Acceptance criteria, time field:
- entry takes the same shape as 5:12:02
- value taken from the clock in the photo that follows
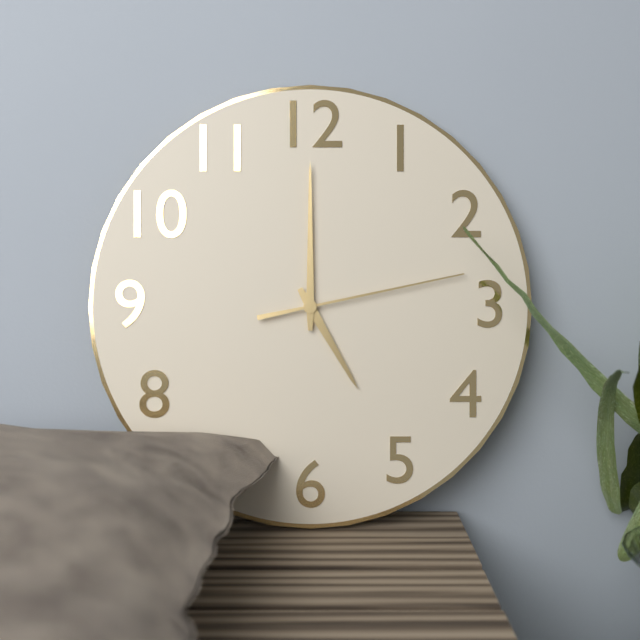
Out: 5:00:13
